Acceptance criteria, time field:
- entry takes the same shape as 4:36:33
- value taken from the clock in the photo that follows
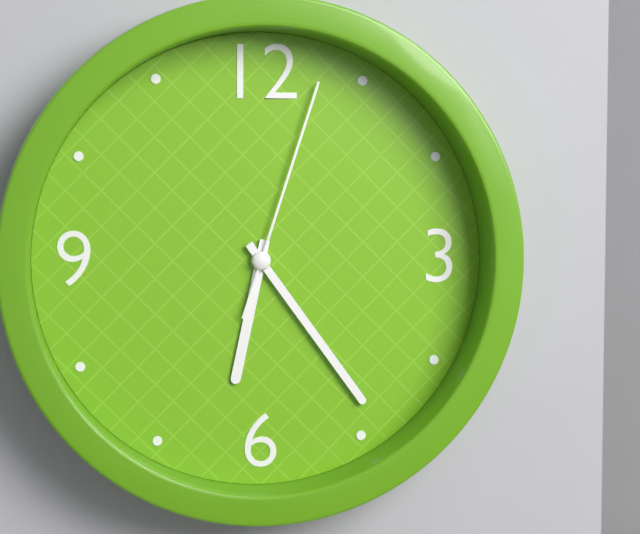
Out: 6:24:03
